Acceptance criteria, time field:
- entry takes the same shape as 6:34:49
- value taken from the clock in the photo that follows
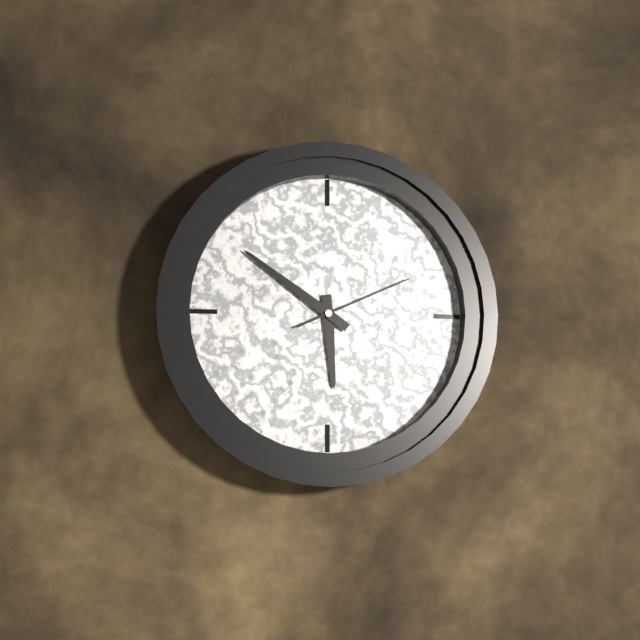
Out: 5:51:11
